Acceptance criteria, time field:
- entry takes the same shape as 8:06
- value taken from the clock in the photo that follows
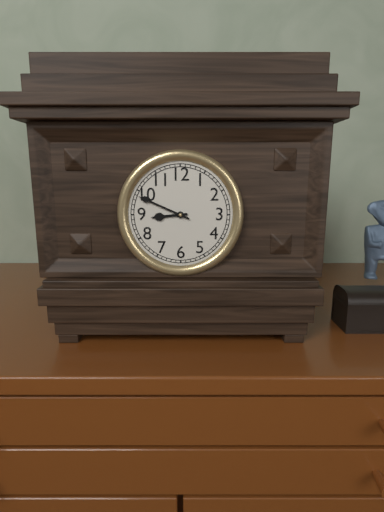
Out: 8:49
